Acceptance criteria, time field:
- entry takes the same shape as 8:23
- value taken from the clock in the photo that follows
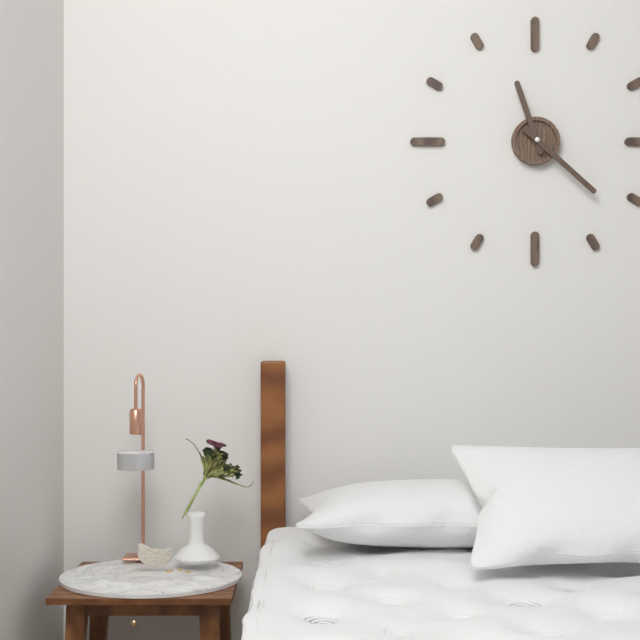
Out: 11:22
